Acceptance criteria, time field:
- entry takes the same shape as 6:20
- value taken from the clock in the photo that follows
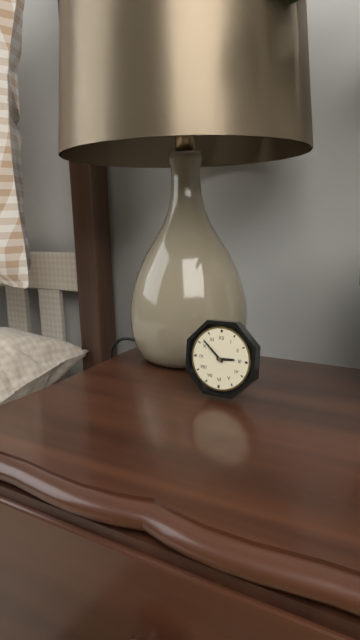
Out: 2:52
